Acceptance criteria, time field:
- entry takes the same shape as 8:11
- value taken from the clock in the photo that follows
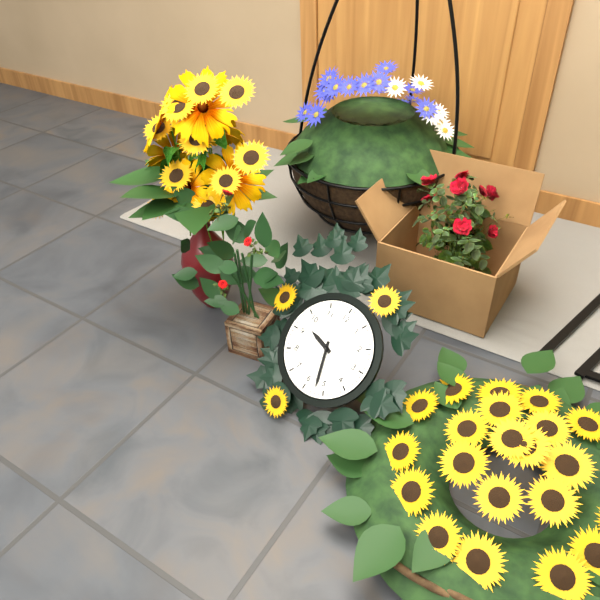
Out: 9:27
